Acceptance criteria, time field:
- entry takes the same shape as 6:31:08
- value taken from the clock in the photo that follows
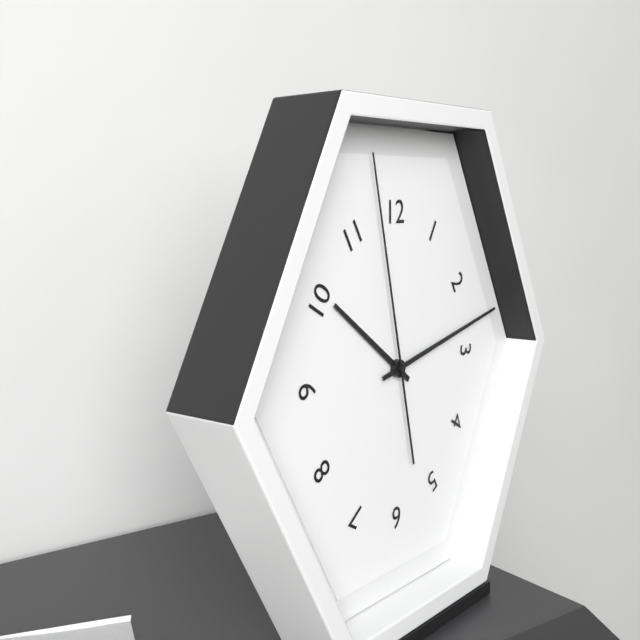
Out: 10:13:58
